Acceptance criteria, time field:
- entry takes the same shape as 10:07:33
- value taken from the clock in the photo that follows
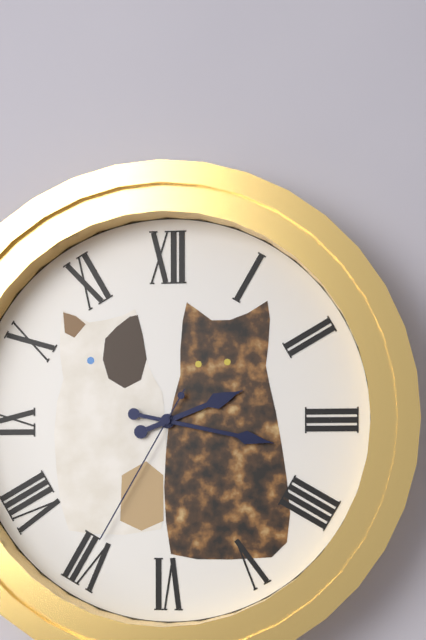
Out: 2:17:35
